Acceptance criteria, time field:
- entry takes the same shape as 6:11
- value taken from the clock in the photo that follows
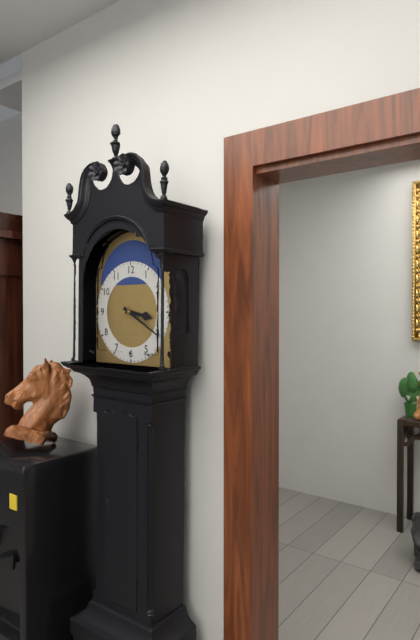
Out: 3:20
